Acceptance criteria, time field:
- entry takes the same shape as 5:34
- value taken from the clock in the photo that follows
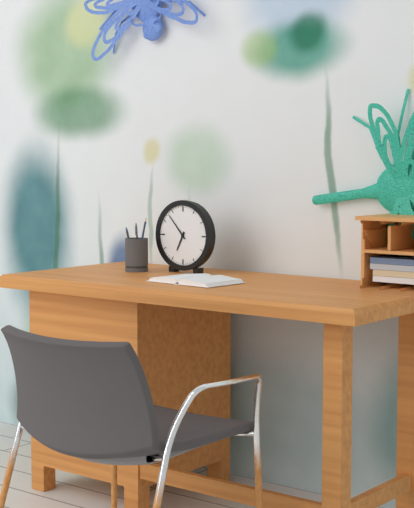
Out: 6:53
